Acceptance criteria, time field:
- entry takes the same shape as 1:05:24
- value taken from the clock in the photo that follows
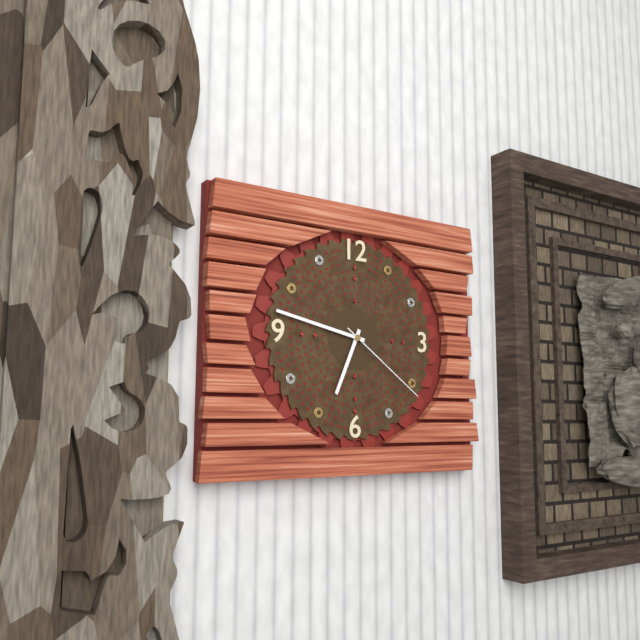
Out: 6:47:21
